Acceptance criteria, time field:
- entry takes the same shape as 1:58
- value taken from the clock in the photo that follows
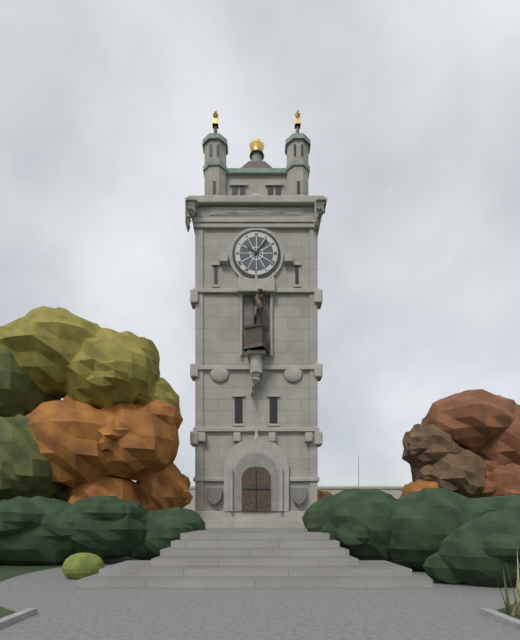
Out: 10:06
